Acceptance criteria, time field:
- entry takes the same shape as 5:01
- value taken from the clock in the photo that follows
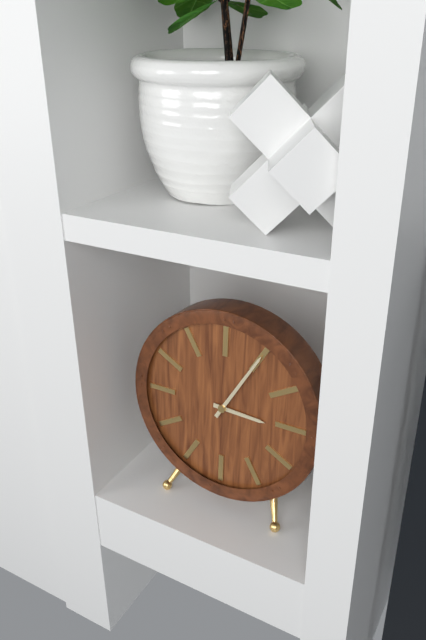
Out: 3:05
